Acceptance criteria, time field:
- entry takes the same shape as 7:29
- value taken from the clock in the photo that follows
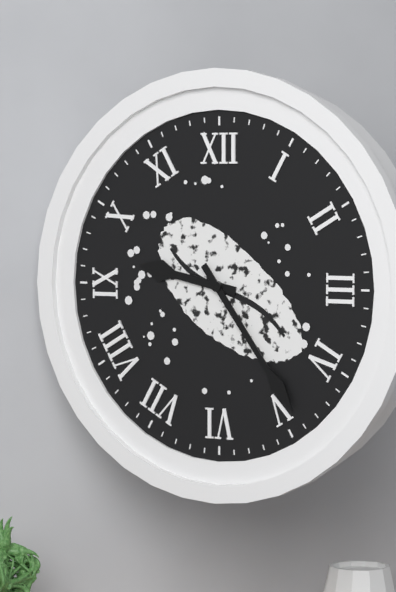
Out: 9:24
